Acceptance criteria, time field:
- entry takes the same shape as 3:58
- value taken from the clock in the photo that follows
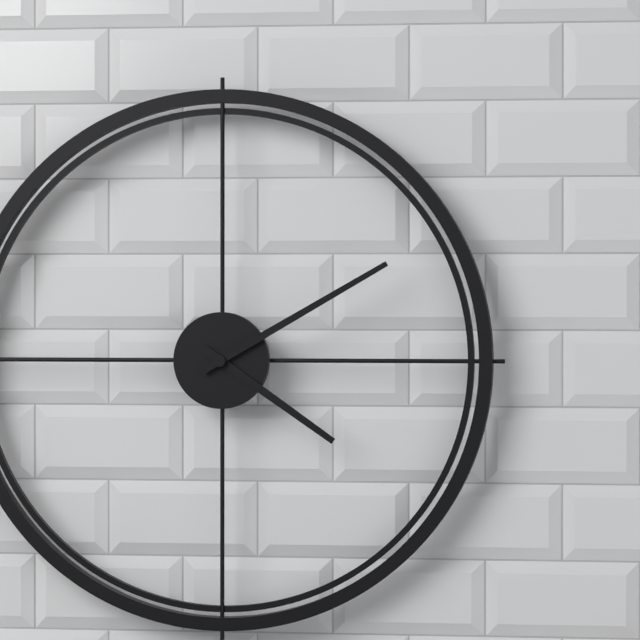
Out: 4:10
